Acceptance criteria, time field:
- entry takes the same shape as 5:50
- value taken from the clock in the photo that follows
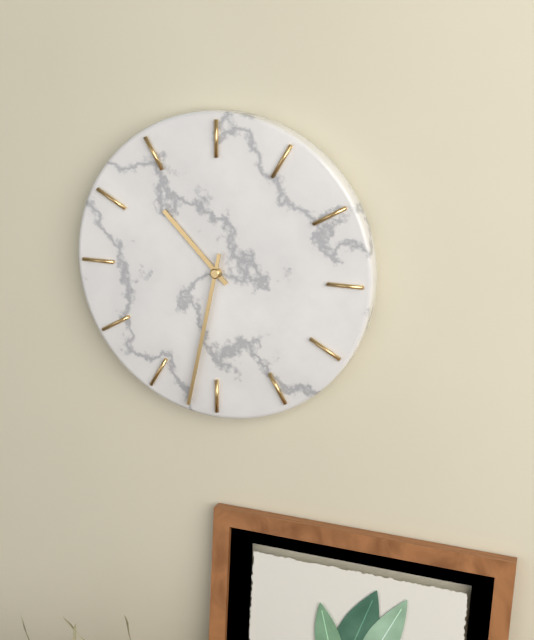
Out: 10:32
